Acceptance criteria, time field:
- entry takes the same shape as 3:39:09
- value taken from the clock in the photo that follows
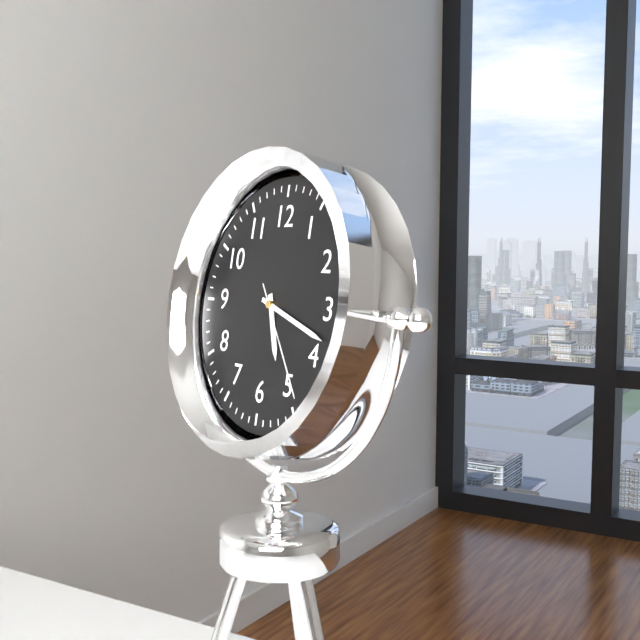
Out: 5:18:24
